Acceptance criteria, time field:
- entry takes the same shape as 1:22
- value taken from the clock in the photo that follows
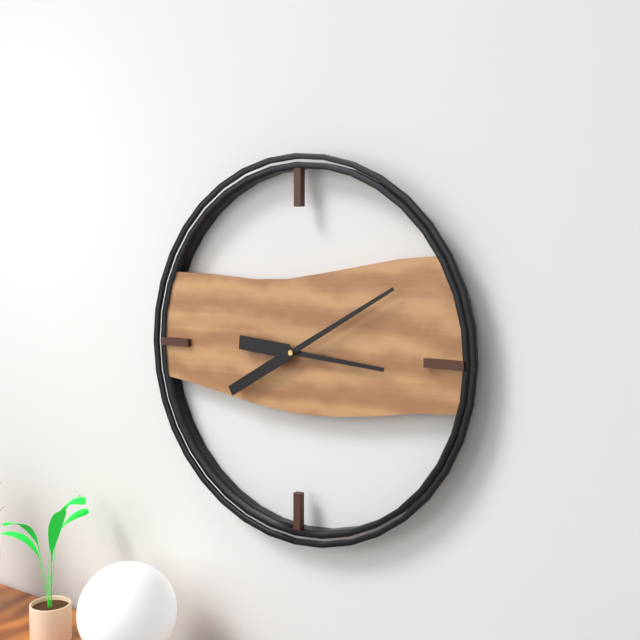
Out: 3:10
